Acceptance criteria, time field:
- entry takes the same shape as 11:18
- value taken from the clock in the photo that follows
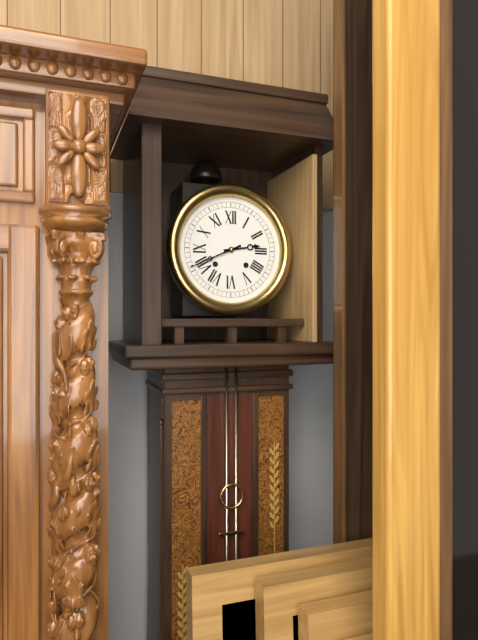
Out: 2:41
